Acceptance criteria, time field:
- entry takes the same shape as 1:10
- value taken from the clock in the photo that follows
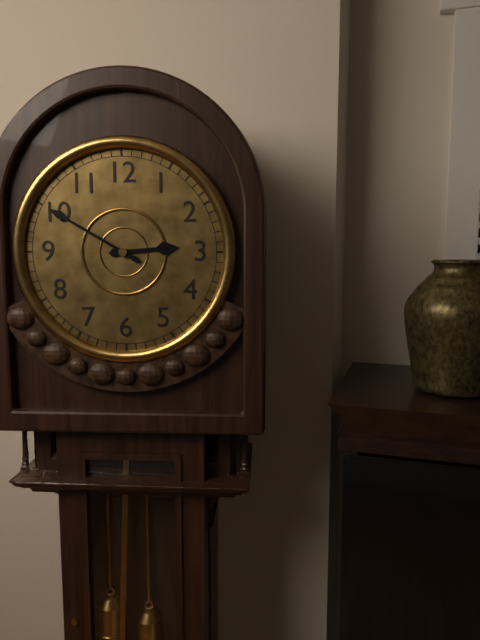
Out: 2:50
